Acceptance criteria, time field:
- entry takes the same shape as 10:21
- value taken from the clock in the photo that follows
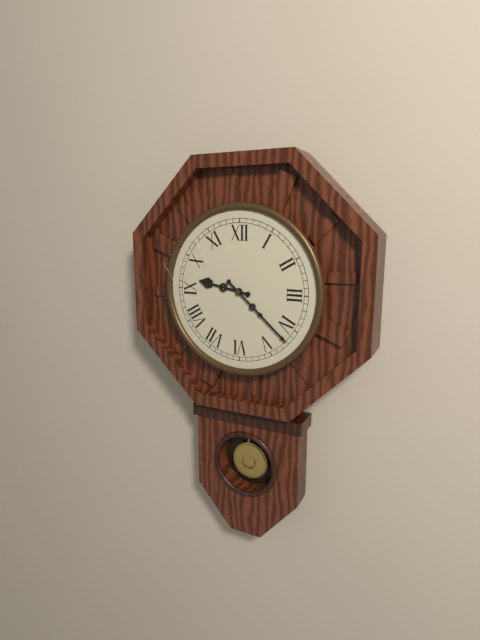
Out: 9:22
